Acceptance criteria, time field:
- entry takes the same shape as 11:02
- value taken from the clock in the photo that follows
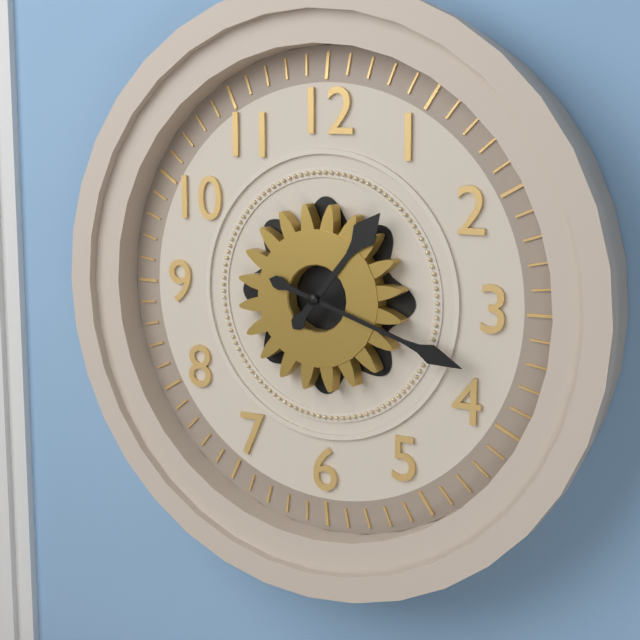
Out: 1:18
